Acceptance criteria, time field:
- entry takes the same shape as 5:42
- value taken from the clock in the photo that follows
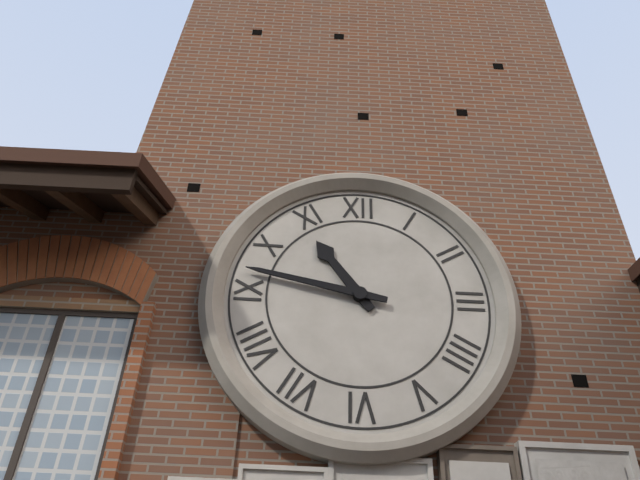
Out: 10:47
